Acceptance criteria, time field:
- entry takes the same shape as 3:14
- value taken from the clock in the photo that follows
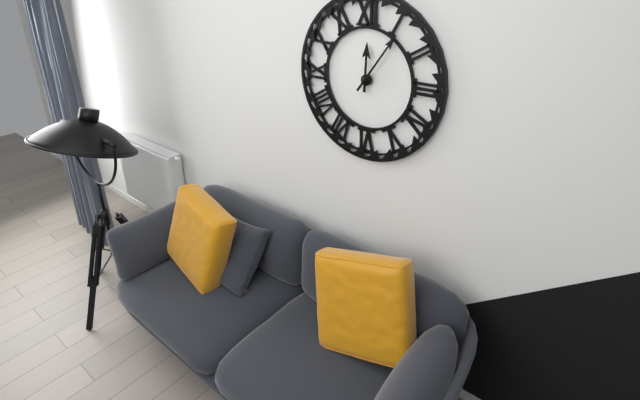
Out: 12:06
